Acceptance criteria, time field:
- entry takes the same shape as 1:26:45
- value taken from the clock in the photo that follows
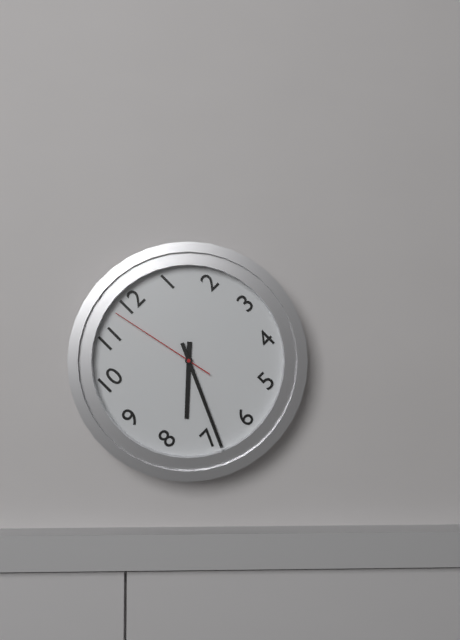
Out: 7:34:58
